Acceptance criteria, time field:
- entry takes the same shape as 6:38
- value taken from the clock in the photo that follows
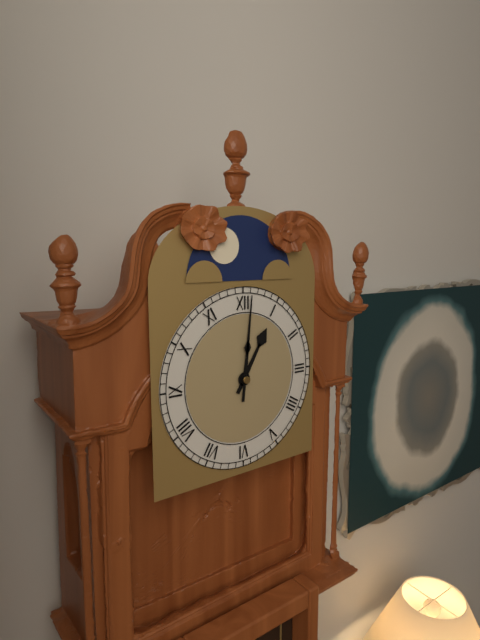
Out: 1:01
